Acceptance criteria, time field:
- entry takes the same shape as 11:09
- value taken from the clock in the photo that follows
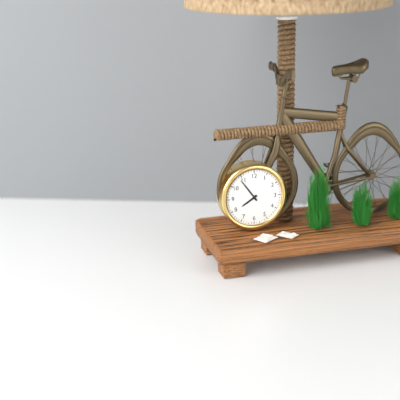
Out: 7:54
